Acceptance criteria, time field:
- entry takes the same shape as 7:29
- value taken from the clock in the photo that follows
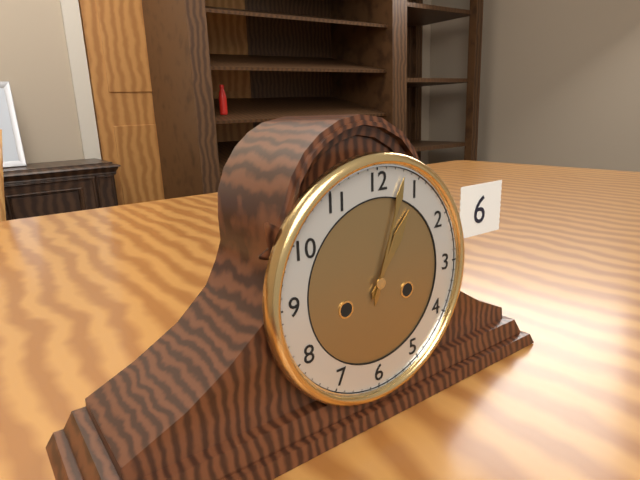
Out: 1:03
